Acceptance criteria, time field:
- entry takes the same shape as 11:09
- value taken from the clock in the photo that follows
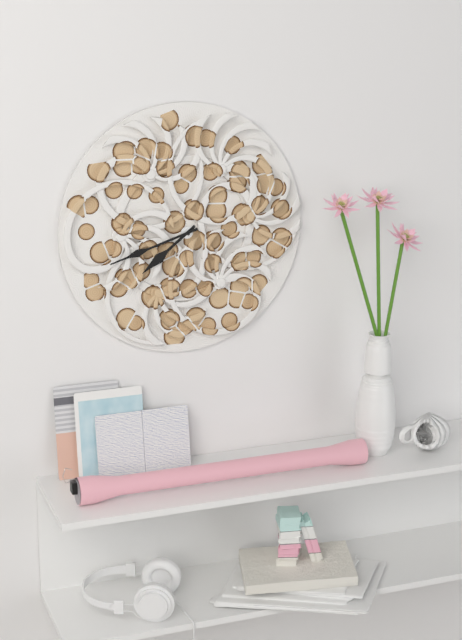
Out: 7:42
